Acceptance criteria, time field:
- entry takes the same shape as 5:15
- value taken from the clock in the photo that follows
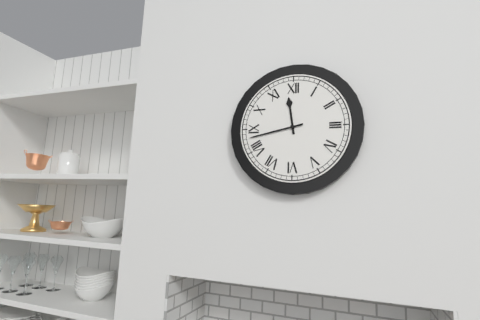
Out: 11:43
